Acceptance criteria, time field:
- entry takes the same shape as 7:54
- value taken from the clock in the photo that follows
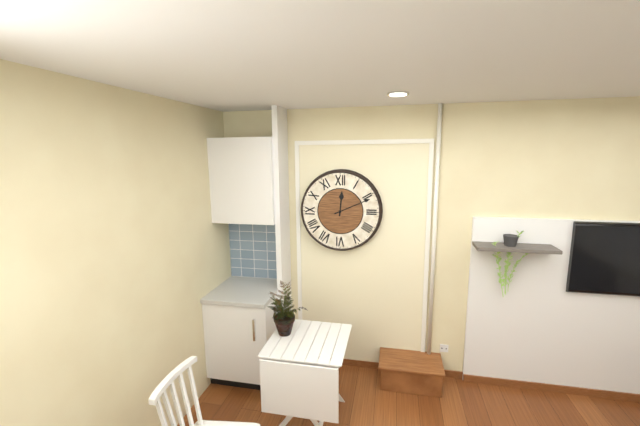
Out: 12:11
